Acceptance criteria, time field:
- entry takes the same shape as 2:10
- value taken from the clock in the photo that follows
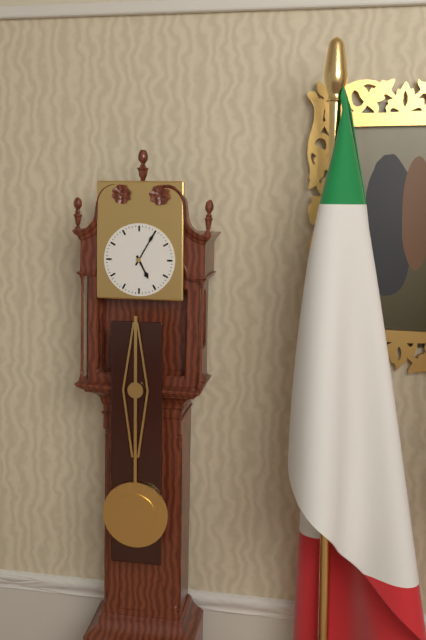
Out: 5:05
